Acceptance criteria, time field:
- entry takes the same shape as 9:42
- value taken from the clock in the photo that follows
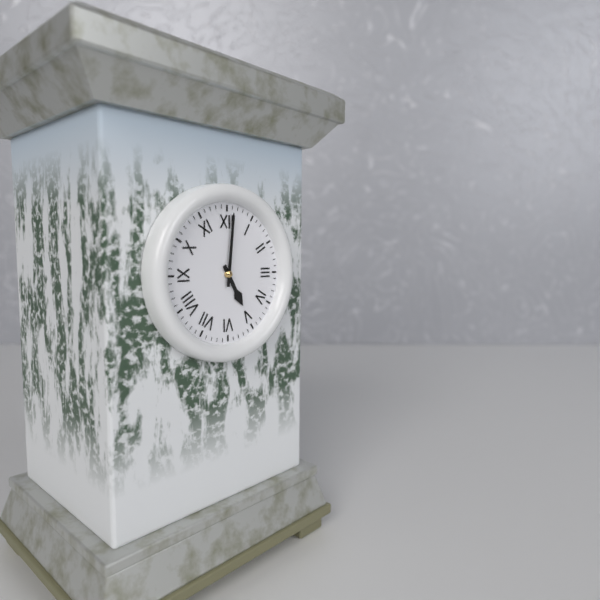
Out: 5:01
